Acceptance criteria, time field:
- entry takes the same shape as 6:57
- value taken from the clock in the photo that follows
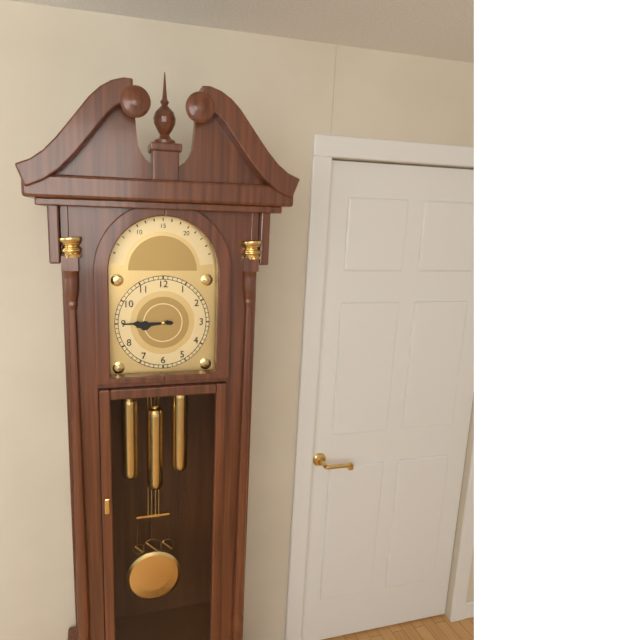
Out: 8:45
